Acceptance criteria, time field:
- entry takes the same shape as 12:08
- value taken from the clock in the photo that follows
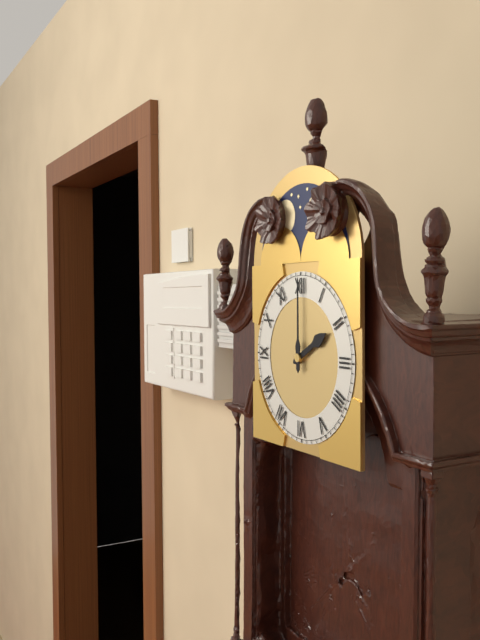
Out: 2:00
